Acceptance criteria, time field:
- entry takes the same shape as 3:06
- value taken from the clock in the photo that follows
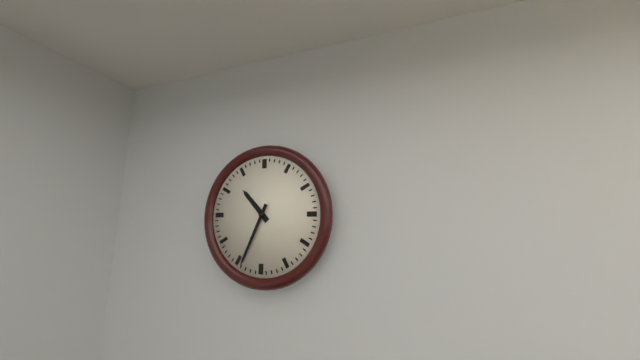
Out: 10:34
